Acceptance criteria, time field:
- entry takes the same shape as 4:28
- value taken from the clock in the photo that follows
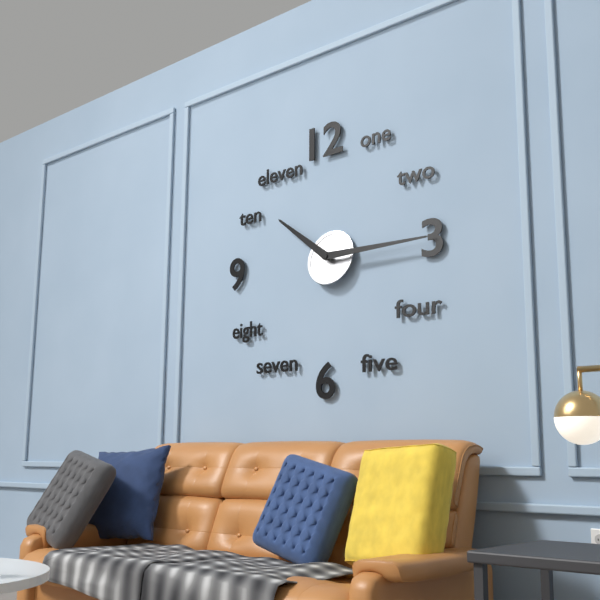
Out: 10:15
